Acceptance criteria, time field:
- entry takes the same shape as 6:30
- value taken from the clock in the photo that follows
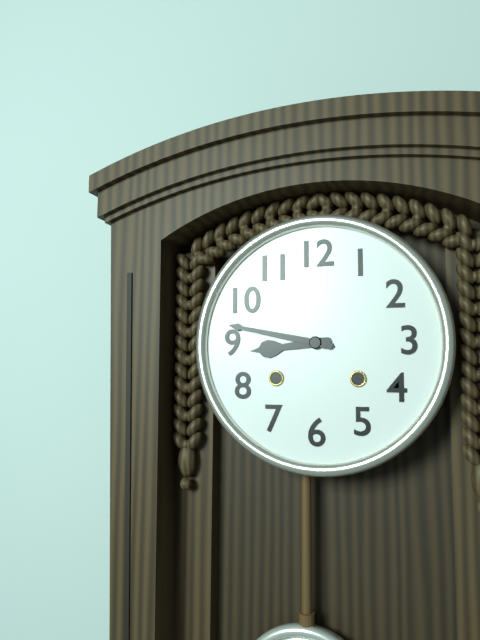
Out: 8:47
